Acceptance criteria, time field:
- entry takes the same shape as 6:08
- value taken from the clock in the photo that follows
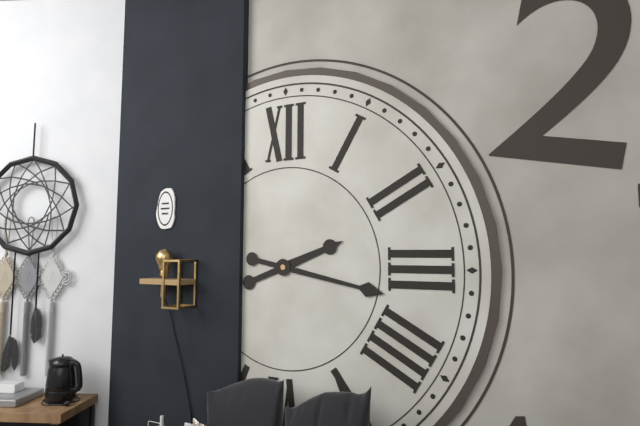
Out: 2:17
